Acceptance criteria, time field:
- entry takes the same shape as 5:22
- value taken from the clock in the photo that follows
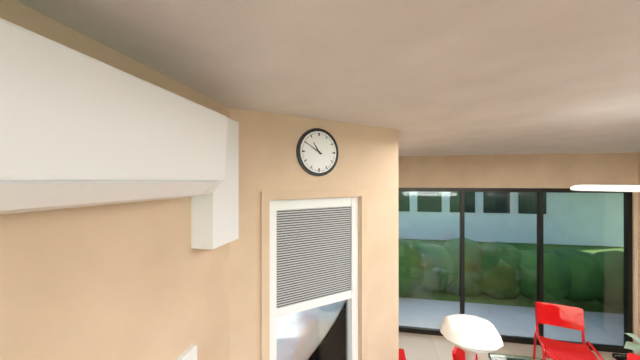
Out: 10:50
